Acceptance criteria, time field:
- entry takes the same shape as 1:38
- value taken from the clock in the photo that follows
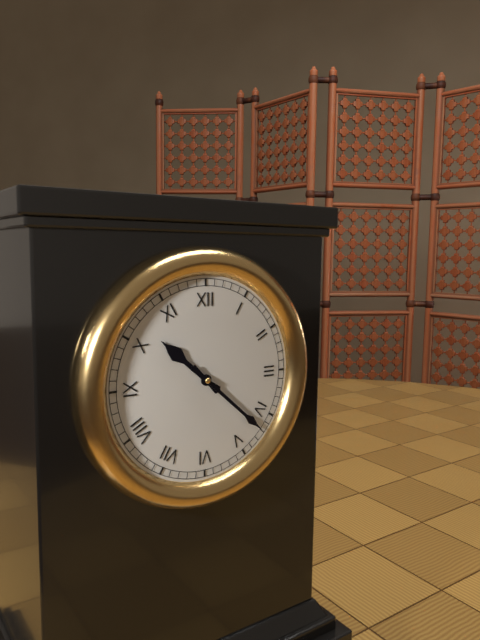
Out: 10:22
